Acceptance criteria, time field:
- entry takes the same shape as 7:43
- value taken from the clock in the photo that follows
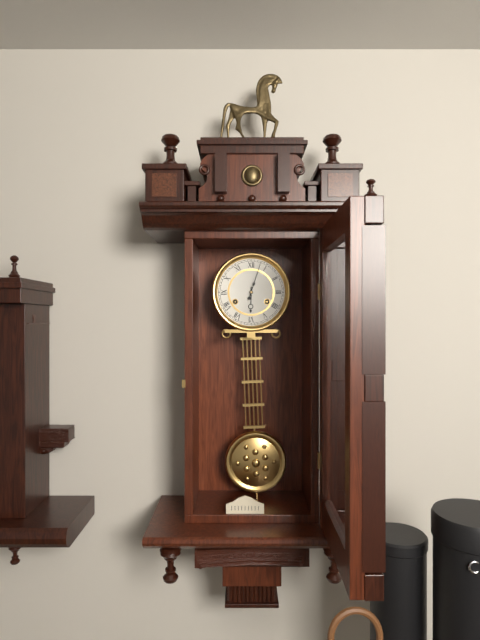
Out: 6:03
